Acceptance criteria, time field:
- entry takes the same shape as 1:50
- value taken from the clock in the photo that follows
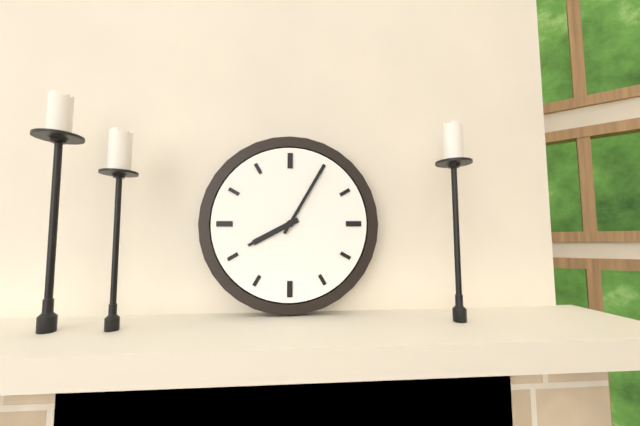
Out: 8:05
